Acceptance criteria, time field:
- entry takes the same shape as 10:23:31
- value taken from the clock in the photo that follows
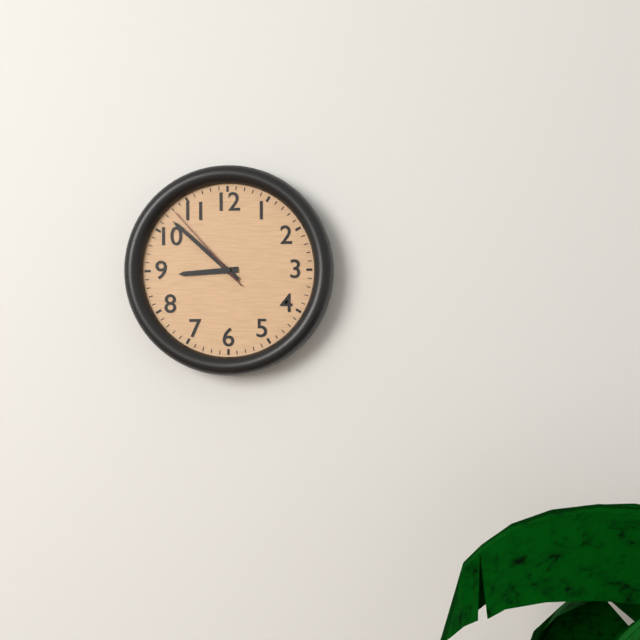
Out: 8:52:53
